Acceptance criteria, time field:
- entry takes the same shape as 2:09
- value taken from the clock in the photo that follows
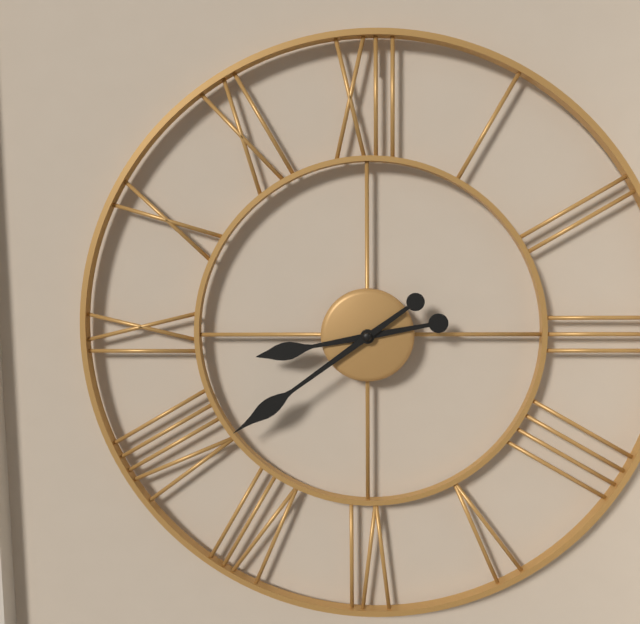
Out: 8:39
